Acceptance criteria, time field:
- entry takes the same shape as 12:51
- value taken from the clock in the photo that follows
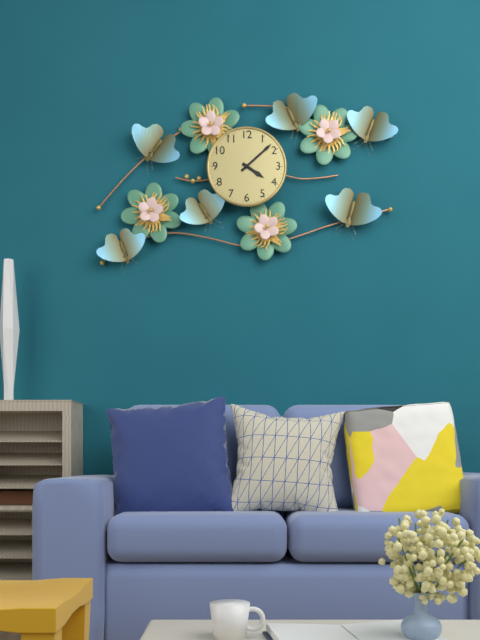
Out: 4:08
